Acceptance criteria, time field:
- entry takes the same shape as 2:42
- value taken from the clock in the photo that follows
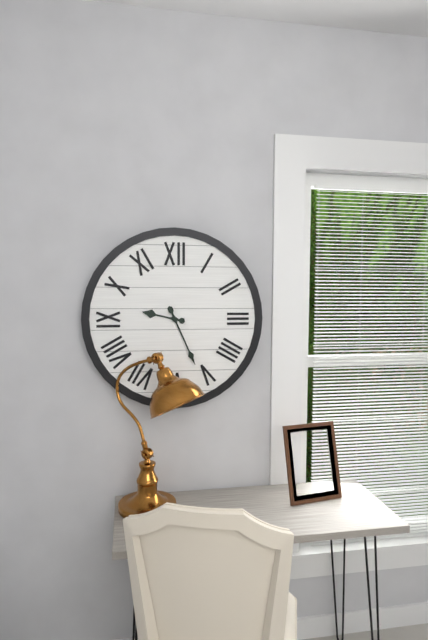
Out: 9:26
